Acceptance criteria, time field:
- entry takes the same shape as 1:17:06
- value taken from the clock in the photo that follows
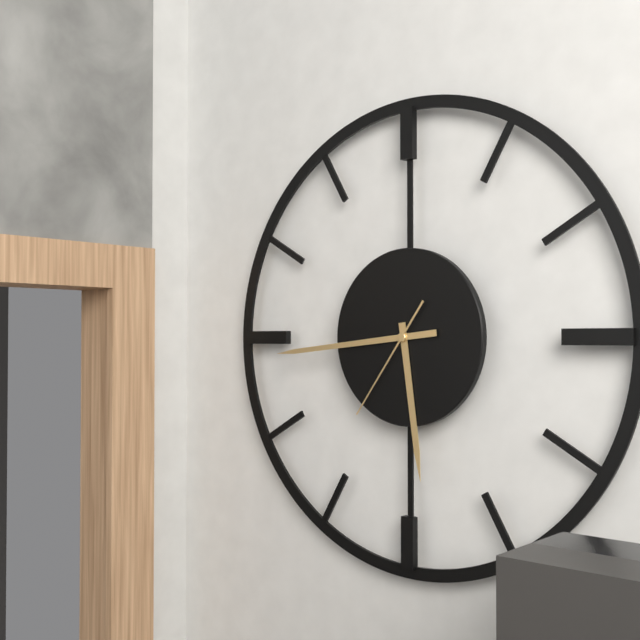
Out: 5:44:36
